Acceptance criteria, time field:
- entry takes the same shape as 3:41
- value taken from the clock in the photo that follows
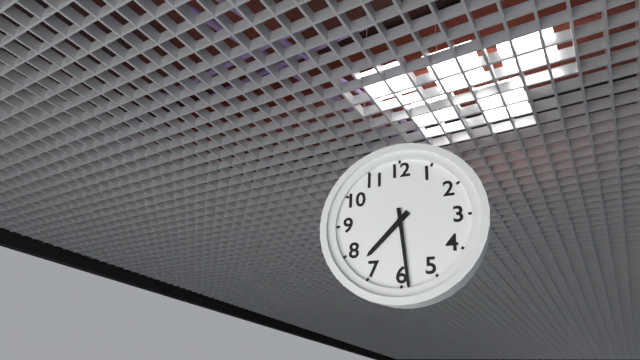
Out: 7:29
